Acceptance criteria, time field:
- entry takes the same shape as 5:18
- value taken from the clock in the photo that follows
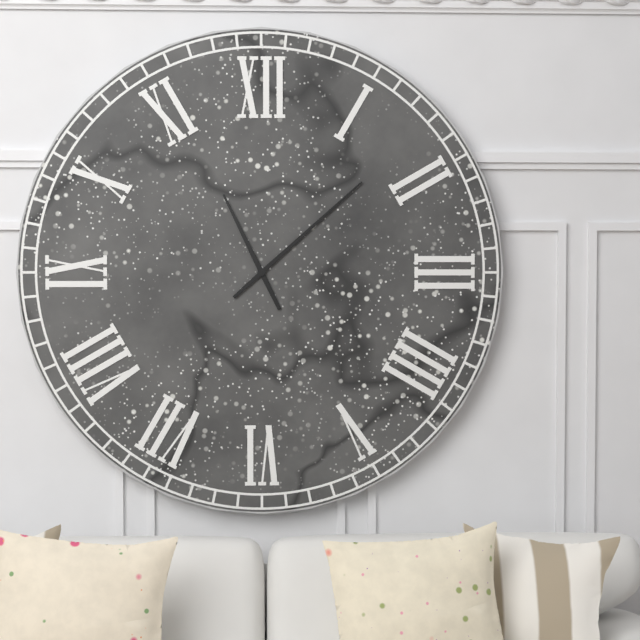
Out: 11:08
